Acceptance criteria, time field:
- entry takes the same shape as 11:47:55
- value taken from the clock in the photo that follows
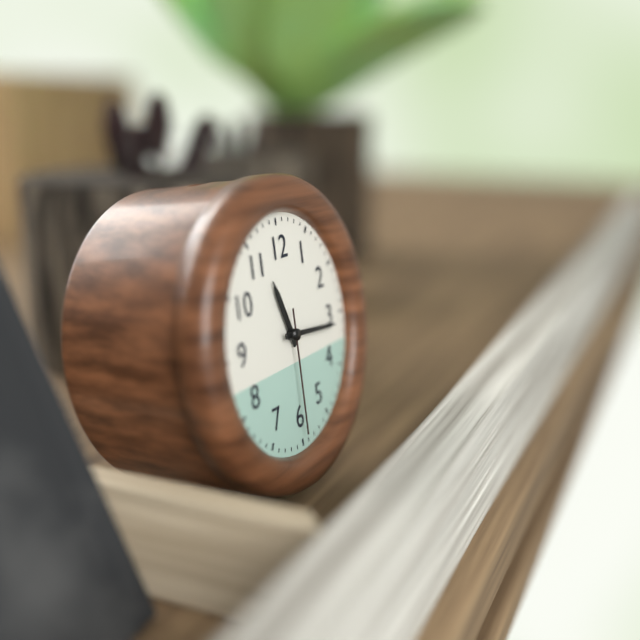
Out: 11:16:30
